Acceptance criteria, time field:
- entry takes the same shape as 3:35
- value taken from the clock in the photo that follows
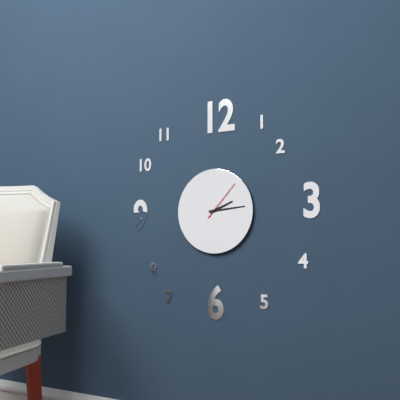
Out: 2:14
